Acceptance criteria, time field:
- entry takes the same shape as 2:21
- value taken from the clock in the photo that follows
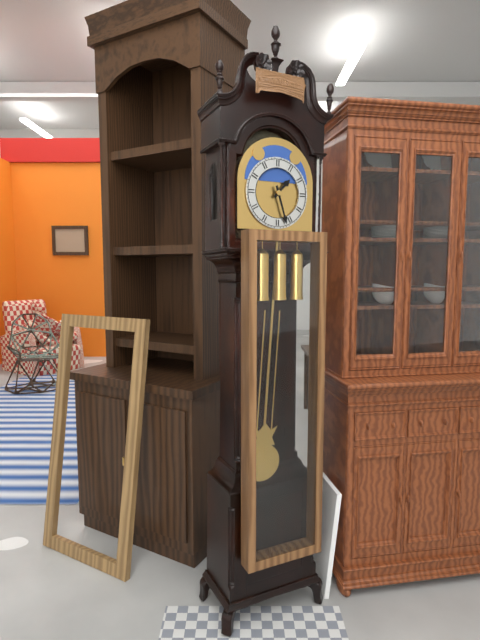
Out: 1:27
